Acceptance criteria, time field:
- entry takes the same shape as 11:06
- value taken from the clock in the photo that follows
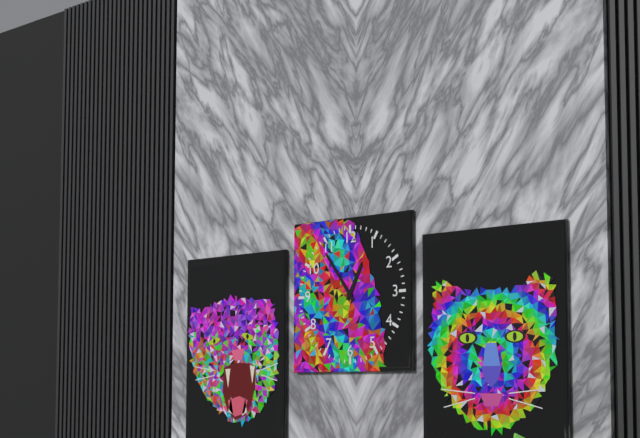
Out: 12:54
